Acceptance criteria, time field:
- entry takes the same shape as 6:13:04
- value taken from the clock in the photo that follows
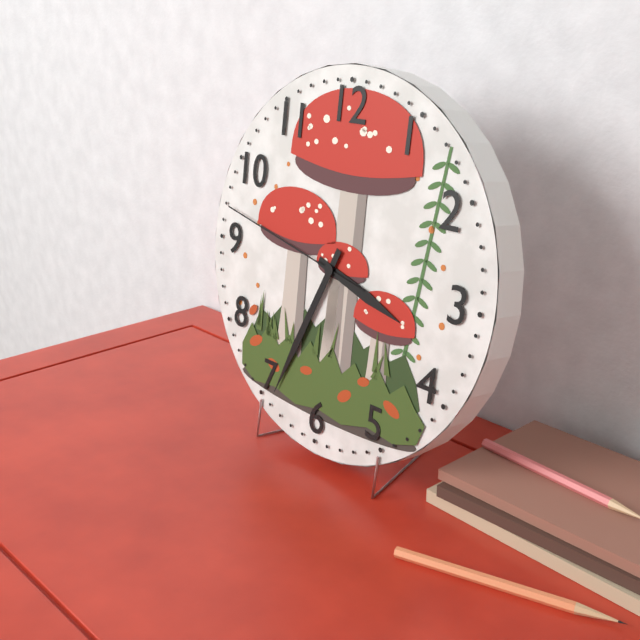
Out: 3:34:47
